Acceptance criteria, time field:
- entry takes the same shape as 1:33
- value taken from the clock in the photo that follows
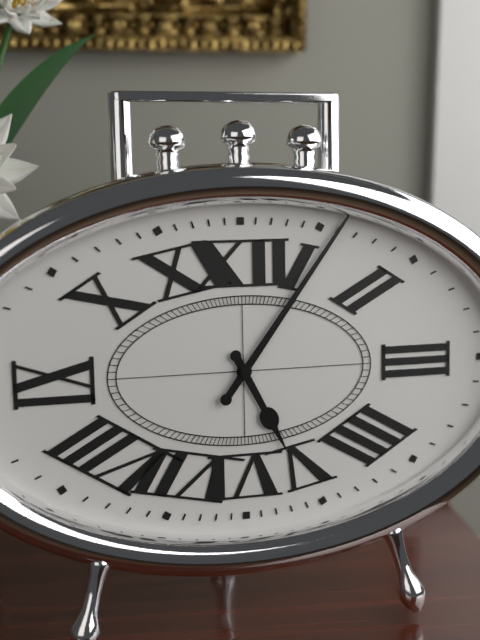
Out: 5:06
